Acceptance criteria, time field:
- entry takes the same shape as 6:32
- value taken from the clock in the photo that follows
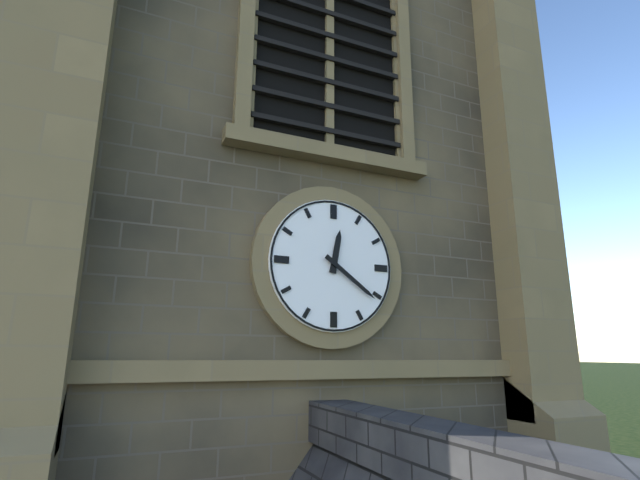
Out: 12:21
